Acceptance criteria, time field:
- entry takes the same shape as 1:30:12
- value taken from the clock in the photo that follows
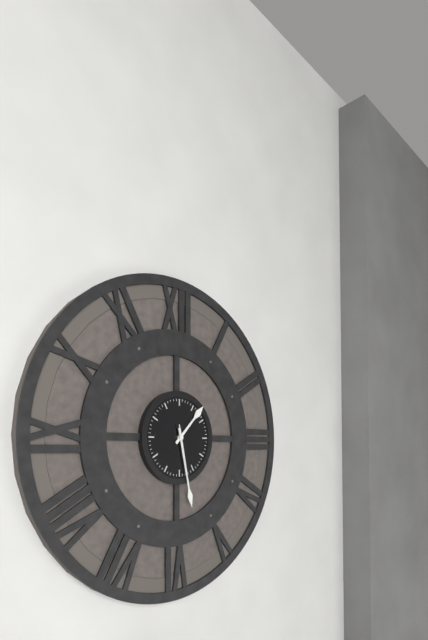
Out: 1:28:28
